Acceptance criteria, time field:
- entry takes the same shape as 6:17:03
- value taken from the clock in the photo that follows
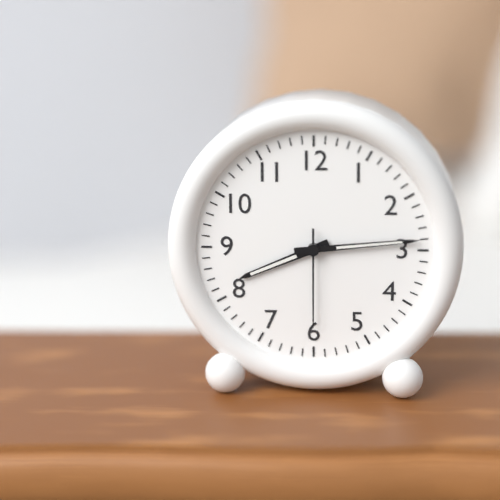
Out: 8:14:30
